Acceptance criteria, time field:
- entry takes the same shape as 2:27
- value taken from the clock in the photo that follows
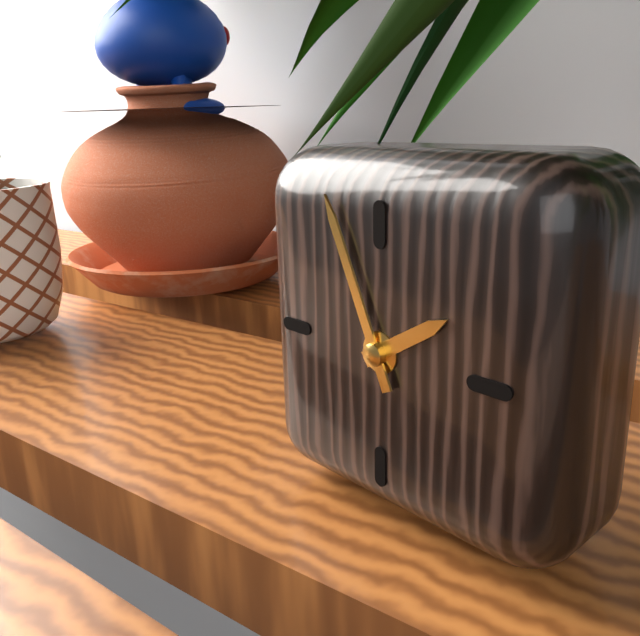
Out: 1:56
